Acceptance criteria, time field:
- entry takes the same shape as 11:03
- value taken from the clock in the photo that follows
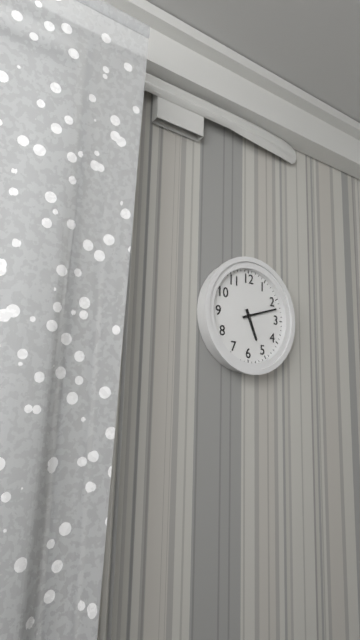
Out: 5:12
